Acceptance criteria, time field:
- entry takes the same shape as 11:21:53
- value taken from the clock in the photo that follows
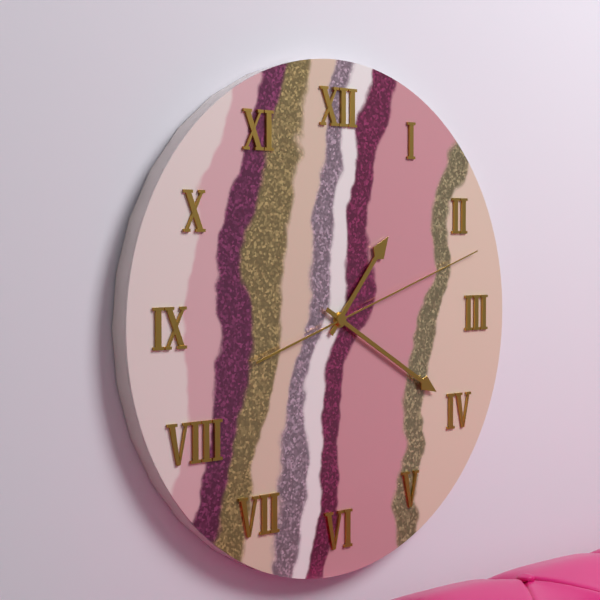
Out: 1:20:12
